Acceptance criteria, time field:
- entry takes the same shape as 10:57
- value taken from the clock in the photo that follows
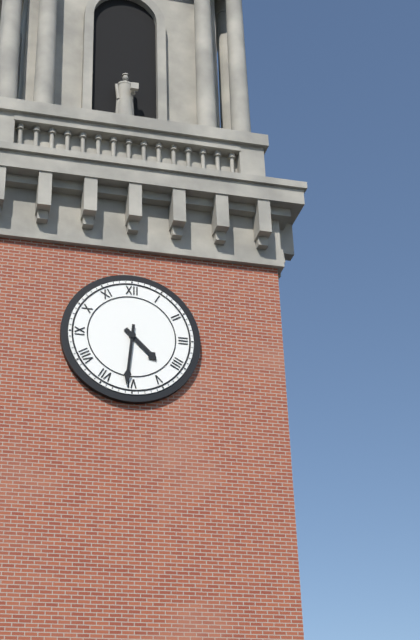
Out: 4:31
